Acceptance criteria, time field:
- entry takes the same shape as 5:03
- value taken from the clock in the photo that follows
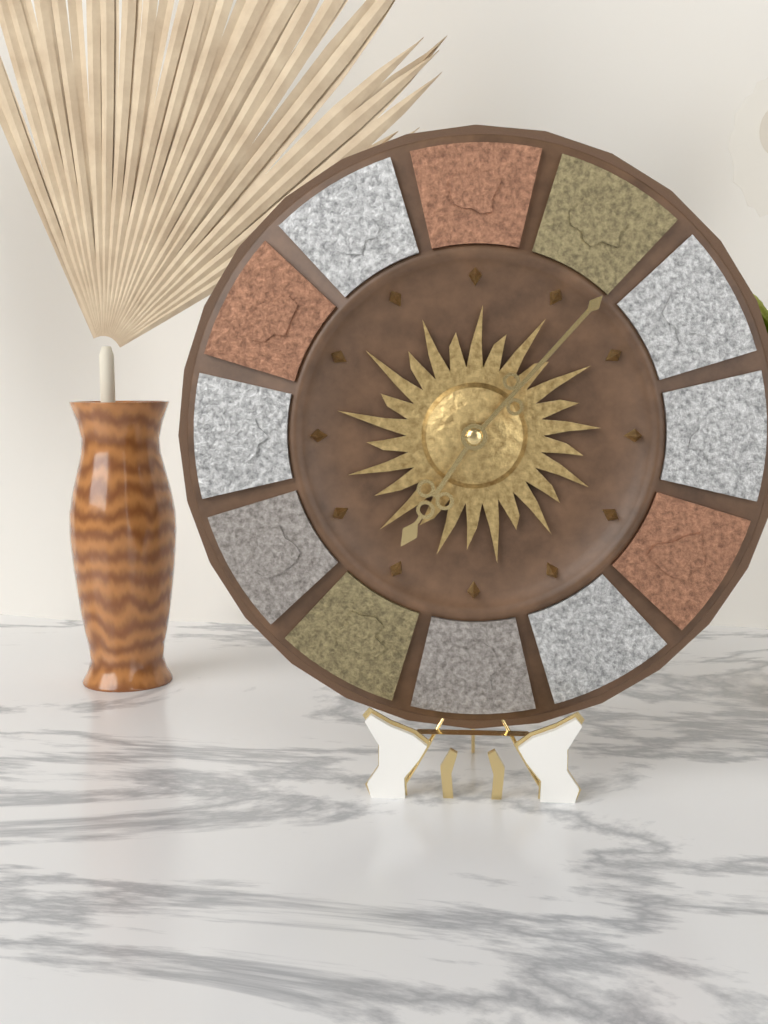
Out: 7:07
